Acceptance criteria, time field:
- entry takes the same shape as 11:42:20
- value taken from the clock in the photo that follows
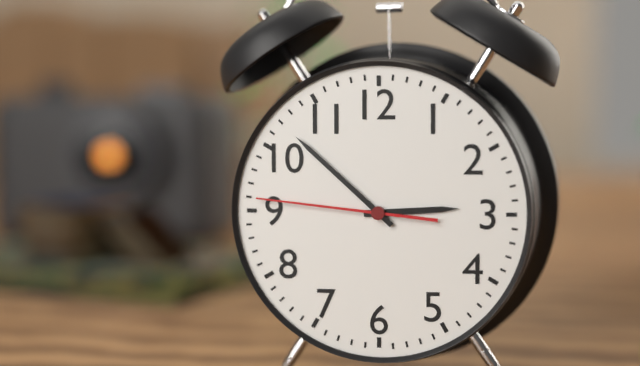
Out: 2:52:46
